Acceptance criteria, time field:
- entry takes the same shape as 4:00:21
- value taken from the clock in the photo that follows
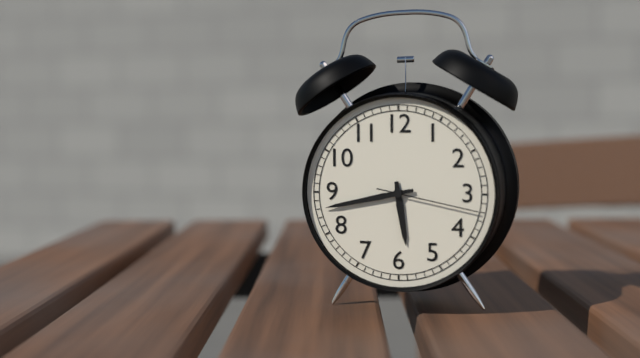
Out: 5:43:17
